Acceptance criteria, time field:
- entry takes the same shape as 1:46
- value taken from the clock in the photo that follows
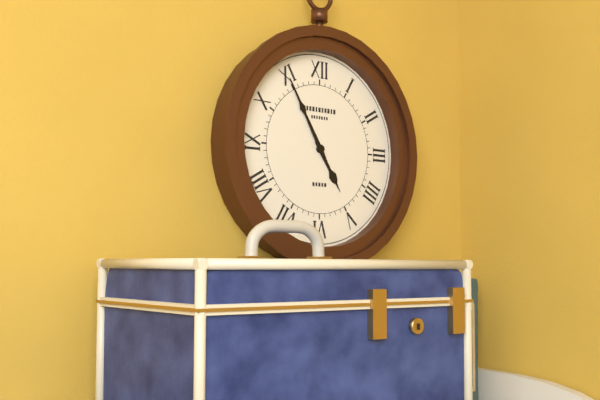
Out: 4:55
